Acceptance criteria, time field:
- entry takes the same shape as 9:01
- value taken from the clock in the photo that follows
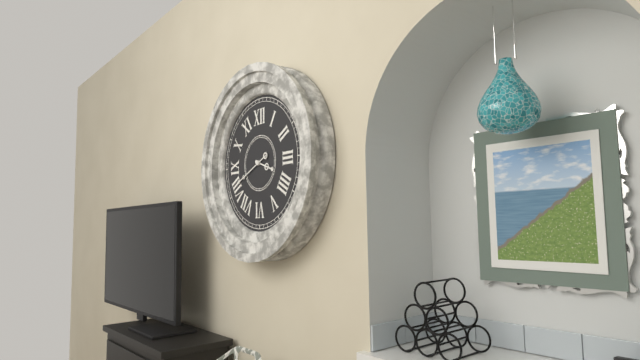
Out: 3:41
